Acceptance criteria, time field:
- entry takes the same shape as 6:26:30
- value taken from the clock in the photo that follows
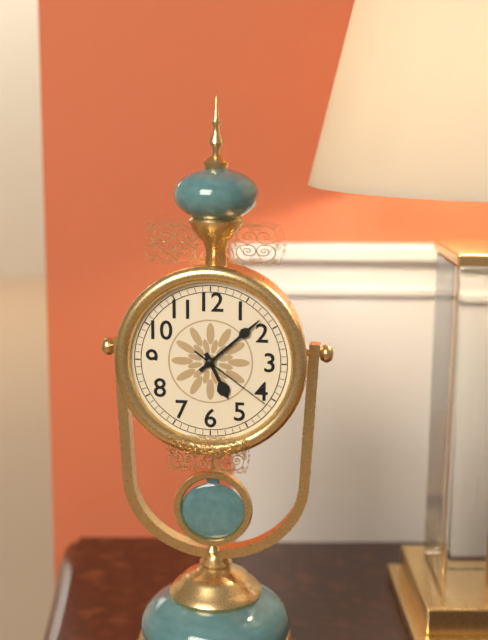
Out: 5:08:21
